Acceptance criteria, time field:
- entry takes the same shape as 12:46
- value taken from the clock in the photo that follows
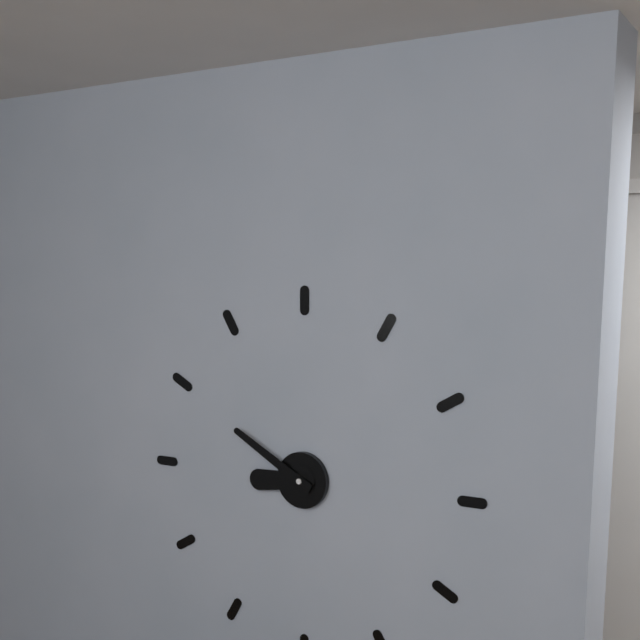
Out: 8:50
